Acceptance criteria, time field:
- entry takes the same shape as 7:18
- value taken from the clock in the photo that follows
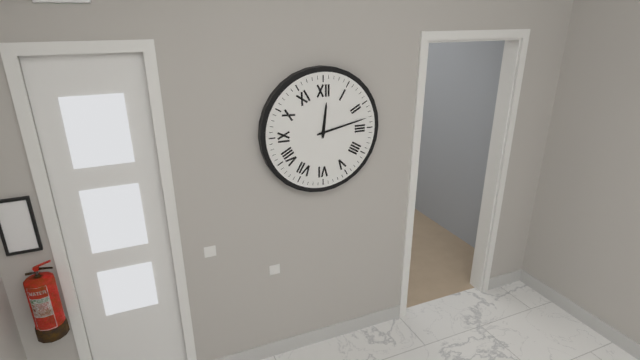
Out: 12:13
